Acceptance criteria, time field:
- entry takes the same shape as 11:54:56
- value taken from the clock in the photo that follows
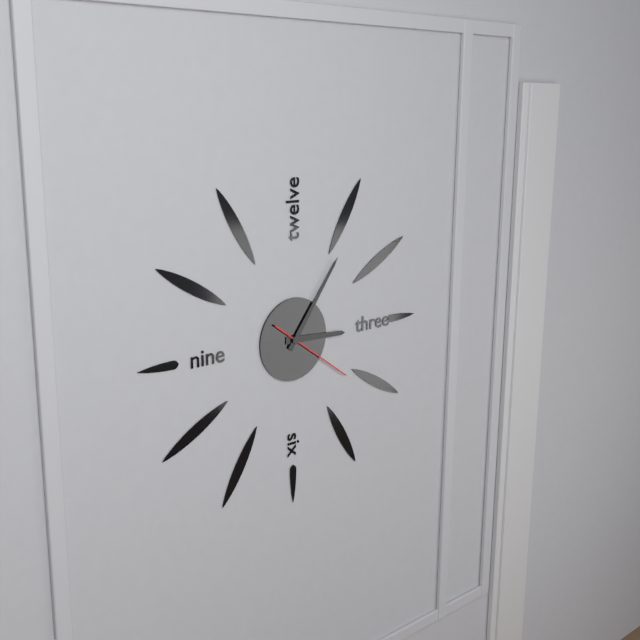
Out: 3:06:21
